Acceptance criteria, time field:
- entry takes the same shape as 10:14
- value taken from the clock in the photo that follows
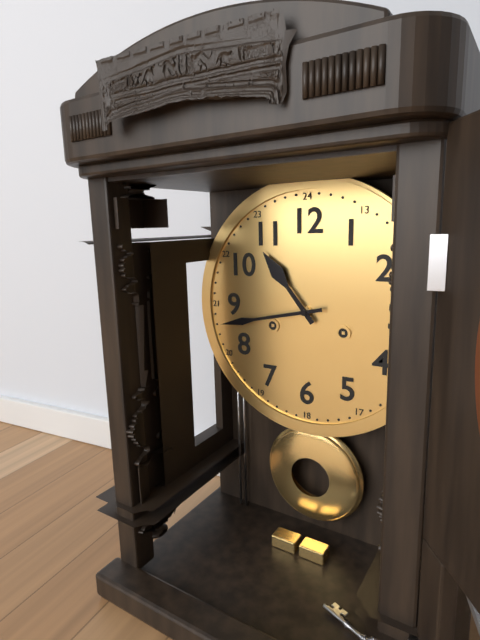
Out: 10:43
